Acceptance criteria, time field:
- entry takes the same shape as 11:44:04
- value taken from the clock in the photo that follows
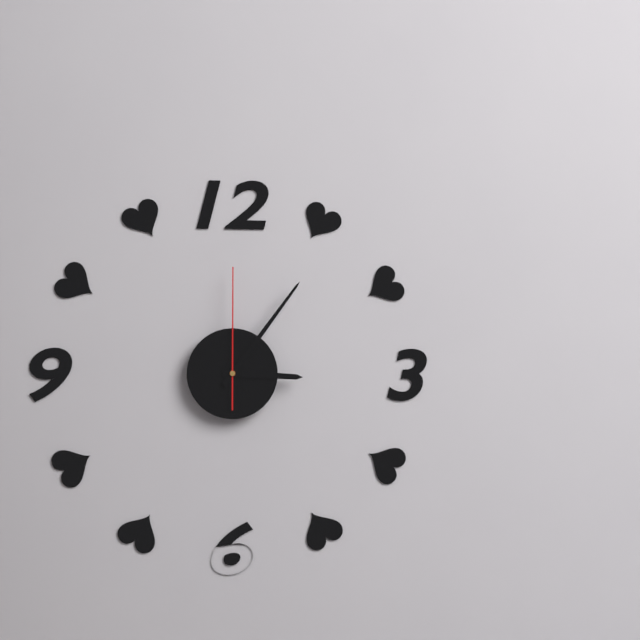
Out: 3:06:00
